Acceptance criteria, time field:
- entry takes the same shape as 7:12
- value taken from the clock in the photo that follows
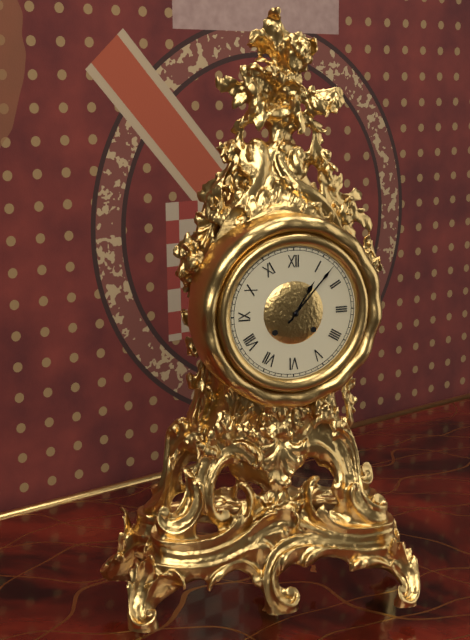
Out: 1:07
